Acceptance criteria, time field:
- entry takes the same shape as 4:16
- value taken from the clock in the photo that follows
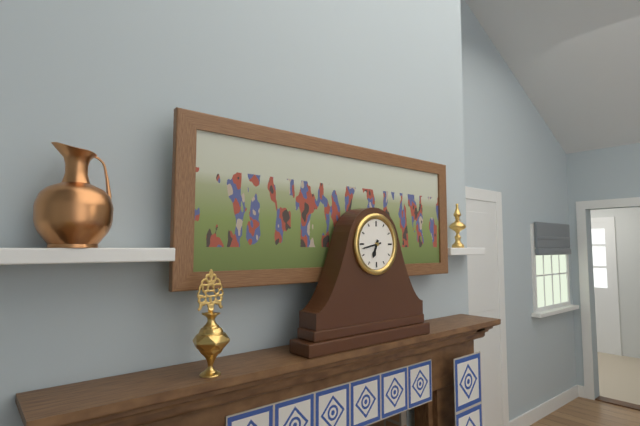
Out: 6:43
